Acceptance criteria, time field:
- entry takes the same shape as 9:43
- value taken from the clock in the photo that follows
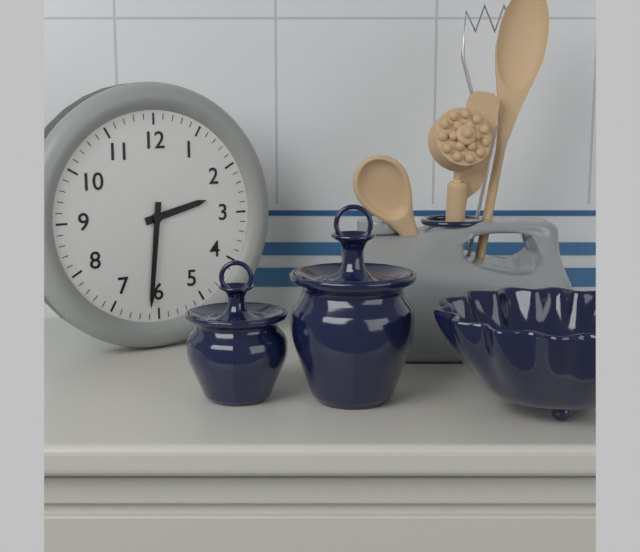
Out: 2:31
